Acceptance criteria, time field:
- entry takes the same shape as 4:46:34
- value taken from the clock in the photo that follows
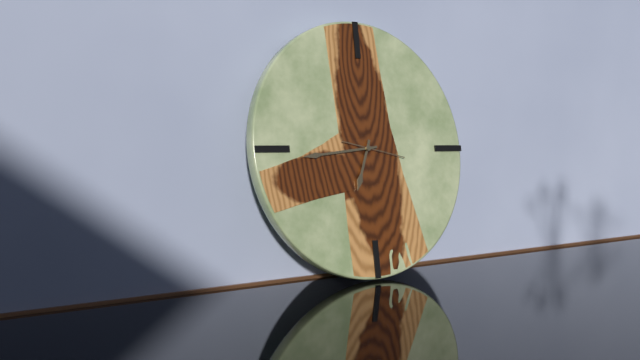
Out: 6:44:17
